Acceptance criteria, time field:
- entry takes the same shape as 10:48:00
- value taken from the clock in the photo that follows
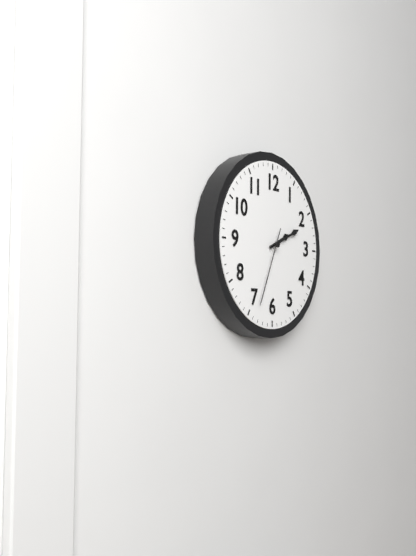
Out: 2:11:34
